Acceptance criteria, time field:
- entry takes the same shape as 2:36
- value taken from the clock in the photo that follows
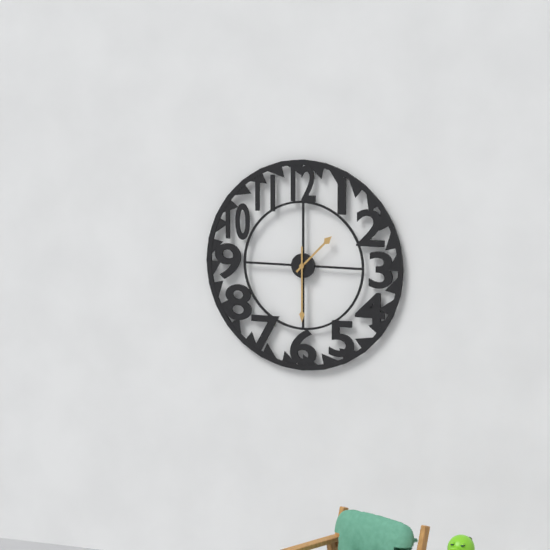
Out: 1:30
